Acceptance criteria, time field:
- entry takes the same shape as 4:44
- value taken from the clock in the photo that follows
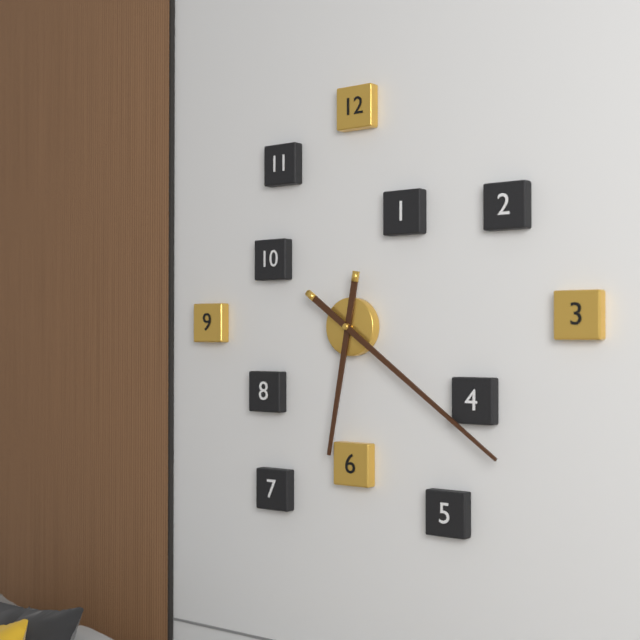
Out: 6:21
